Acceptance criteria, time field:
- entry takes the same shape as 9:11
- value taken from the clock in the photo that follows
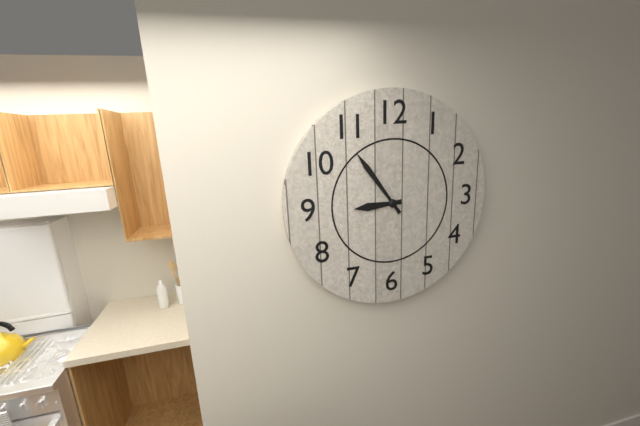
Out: 8:54
